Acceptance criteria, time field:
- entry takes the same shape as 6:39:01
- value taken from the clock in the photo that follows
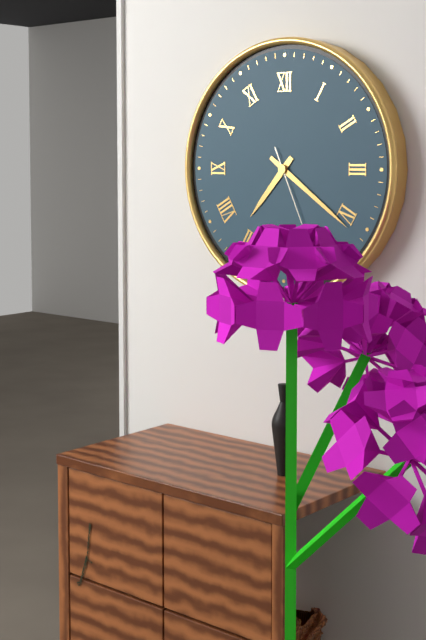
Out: 7:21:26
